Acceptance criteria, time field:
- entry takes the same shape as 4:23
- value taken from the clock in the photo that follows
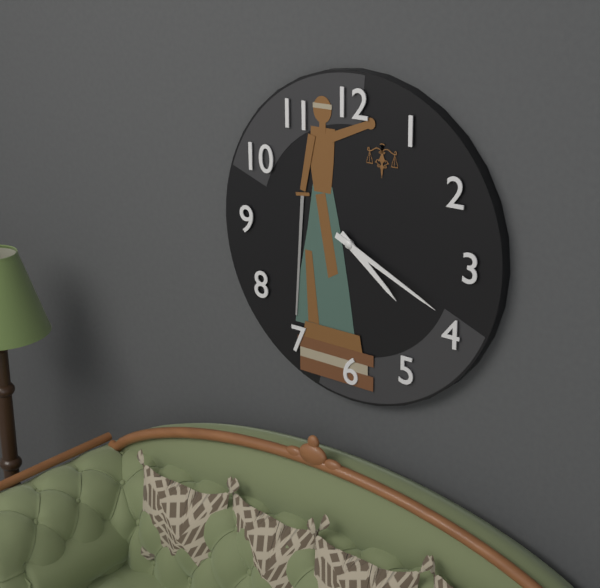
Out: 4:19
